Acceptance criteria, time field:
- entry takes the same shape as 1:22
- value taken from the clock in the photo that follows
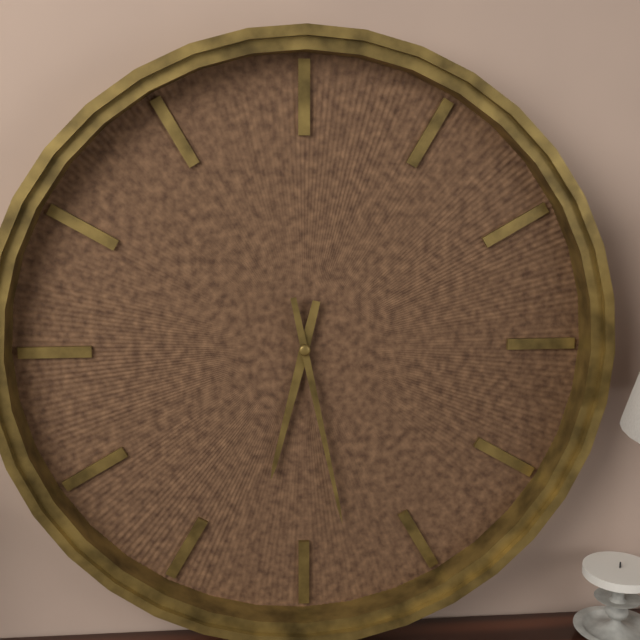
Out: 6:28
